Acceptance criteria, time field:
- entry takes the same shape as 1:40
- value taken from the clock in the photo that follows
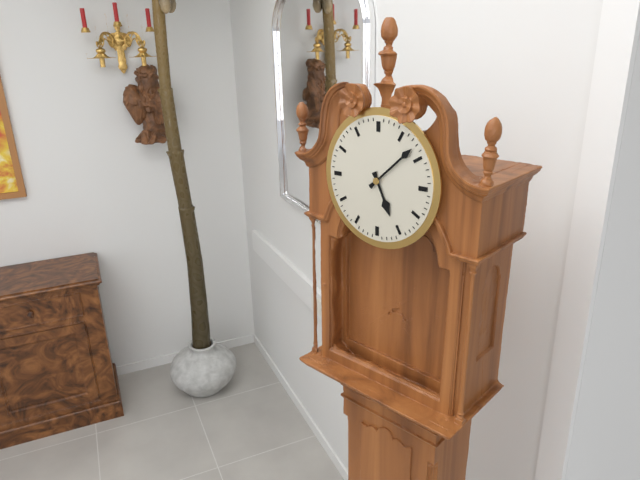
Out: 5:08
